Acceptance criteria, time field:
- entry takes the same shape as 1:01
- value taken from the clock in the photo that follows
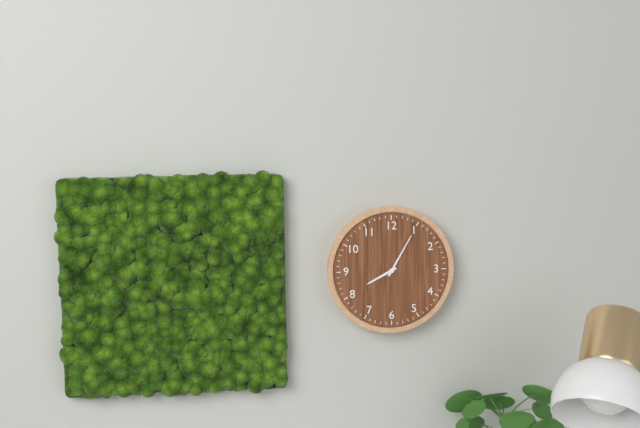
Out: 8:05
